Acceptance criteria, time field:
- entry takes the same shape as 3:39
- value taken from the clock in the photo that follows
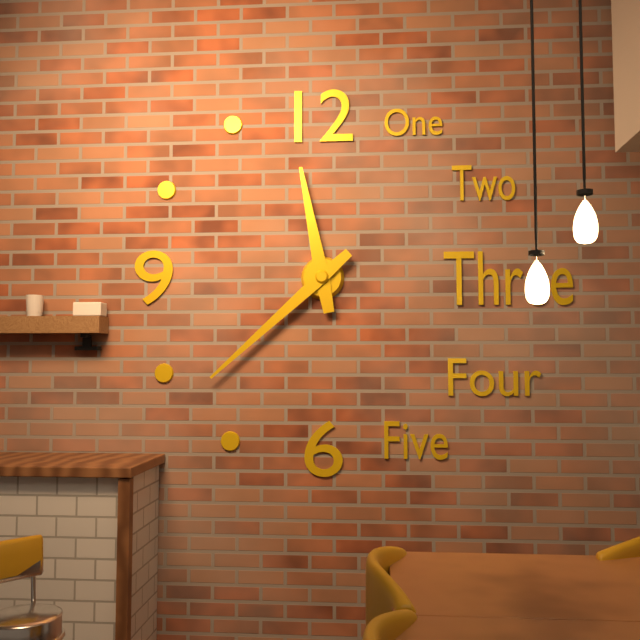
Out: 11:38
